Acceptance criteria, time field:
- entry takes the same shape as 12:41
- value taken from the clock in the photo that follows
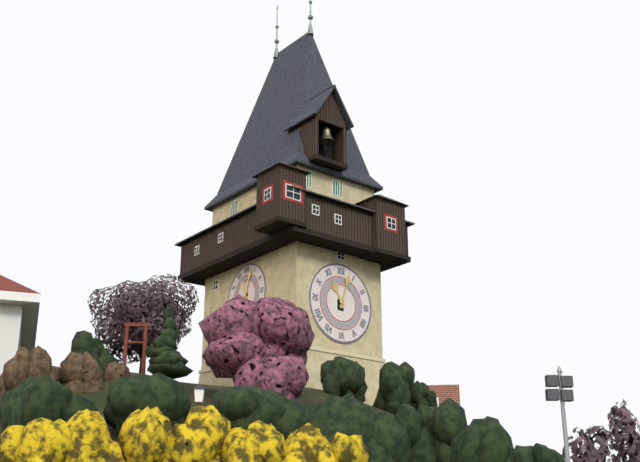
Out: 11:03
